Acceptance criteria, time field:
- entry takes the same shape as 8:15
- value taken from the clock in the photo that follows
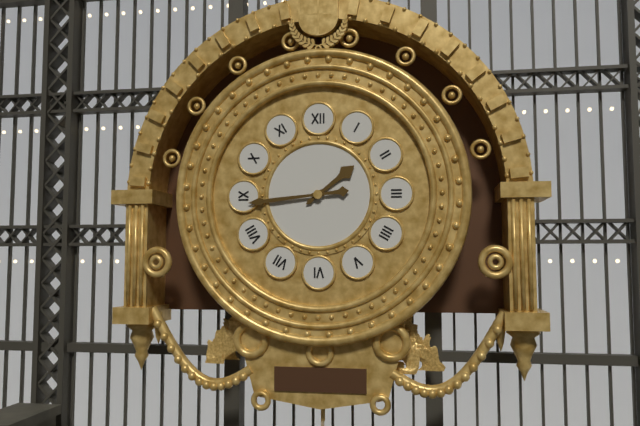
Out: 1:44
